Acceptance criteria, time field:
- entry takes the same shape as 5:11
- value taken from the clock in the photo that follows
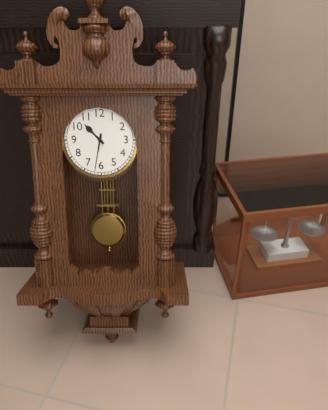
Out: 10:32
